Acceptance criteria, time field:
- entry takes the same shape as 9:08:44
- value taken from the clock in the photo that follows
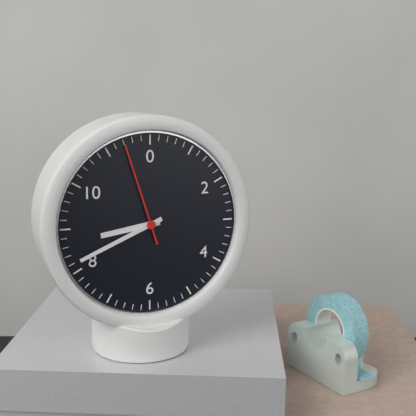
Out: 8:41:57
